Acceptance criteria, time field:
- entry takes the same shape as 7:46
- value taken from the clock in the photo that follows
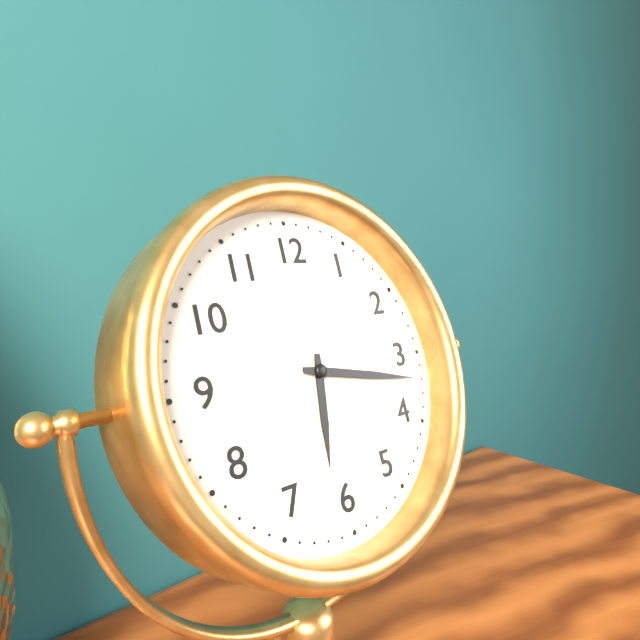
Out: 6:17
